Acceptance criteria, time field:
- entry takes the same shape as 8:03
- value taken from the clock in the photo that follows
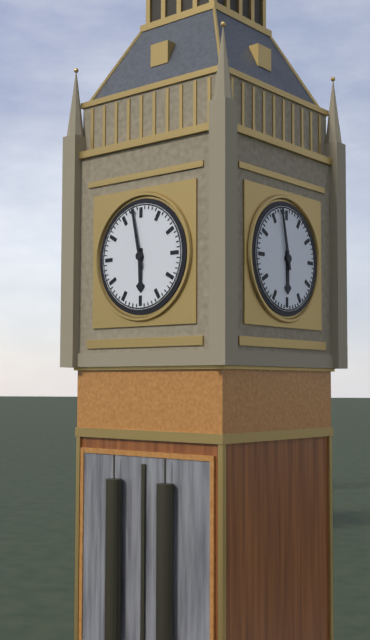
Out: 5:58
